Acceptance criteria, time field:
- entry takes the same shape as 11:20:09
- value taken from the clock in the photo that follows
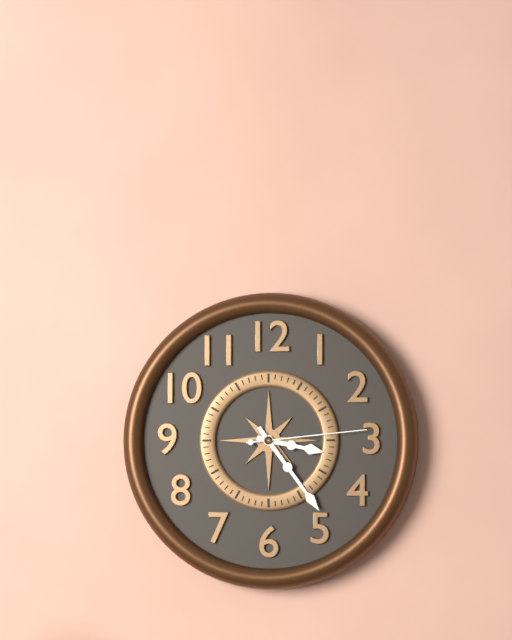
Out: 3:24:14
